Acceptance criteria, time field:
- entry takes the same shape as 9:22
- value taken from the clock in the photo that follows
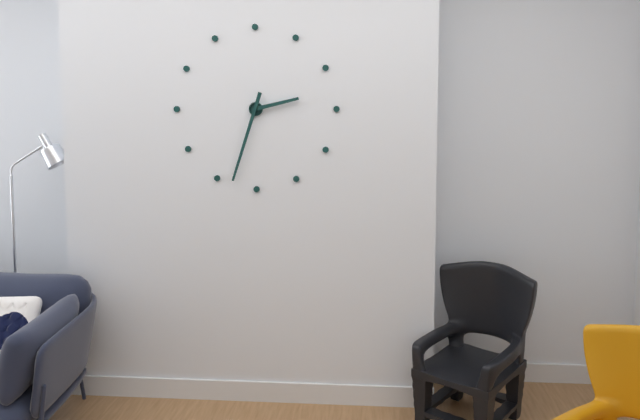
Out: 2:33
